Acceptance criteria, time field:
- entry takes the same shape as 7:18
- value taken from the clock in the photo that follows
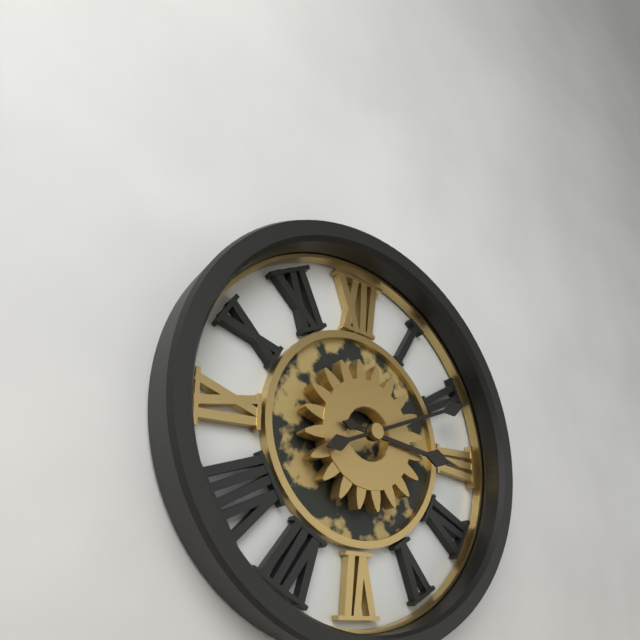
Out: 3:11
